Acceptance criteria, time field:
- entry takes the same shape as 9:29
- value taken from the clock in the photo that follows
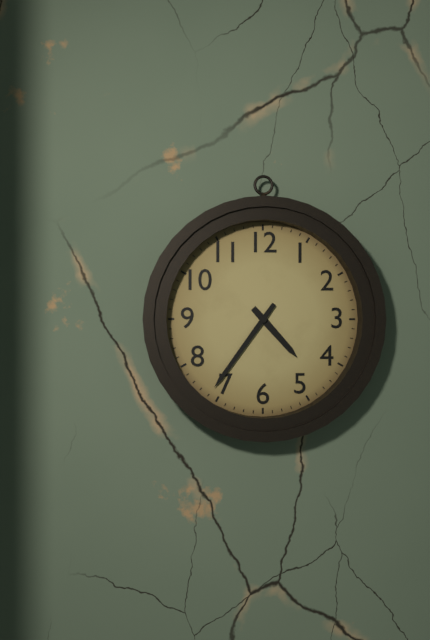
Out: 4:36
